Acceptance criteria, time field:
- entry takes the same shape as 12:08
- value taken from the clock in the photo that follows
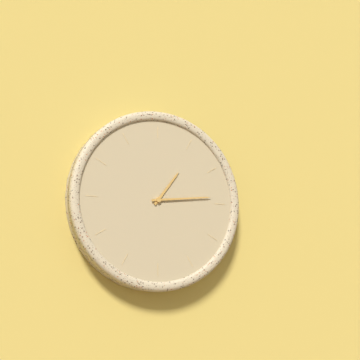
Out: 1:14
